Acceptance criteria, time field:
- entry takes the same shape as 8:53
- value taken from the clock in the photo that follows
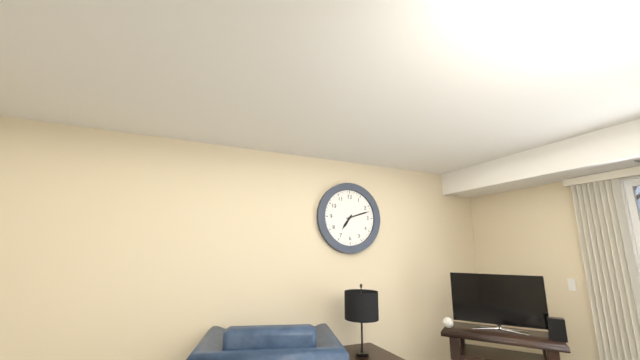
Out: 7:12
